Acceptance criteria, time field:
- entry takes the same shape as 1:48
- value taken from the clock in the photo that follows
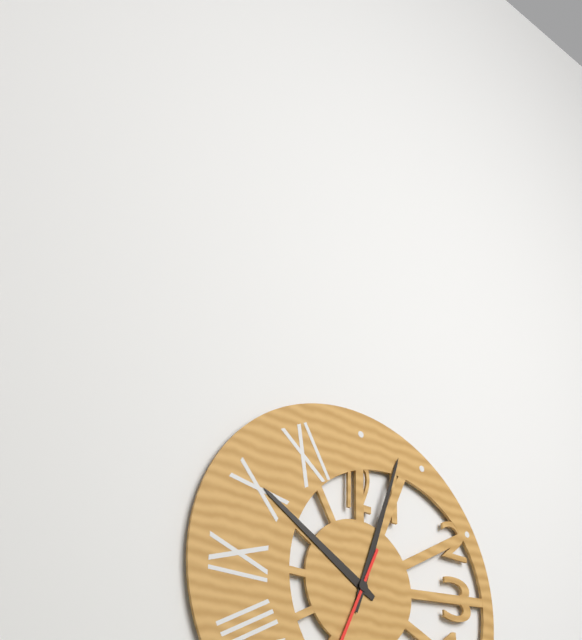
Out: 10:03
